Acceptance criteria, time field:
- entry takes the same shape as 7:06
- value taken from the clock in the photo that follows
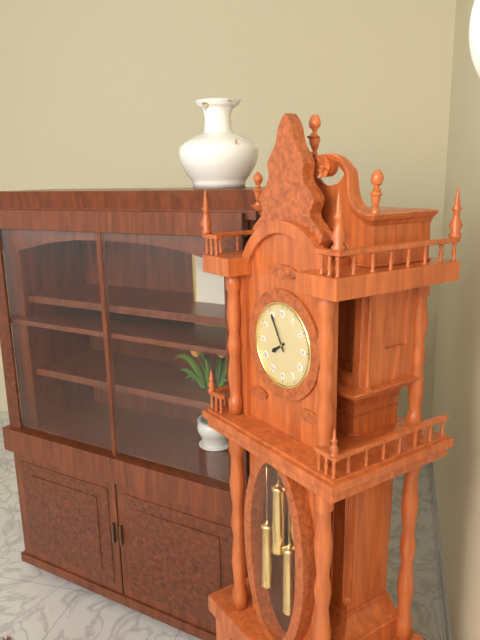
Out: 7:55
